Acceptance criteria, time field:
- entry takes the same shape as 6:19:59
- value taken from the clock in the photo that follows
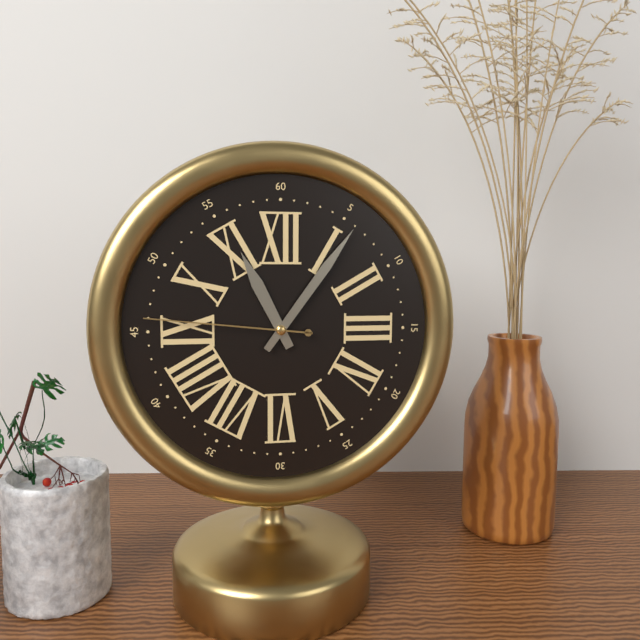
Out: 11:06:46
